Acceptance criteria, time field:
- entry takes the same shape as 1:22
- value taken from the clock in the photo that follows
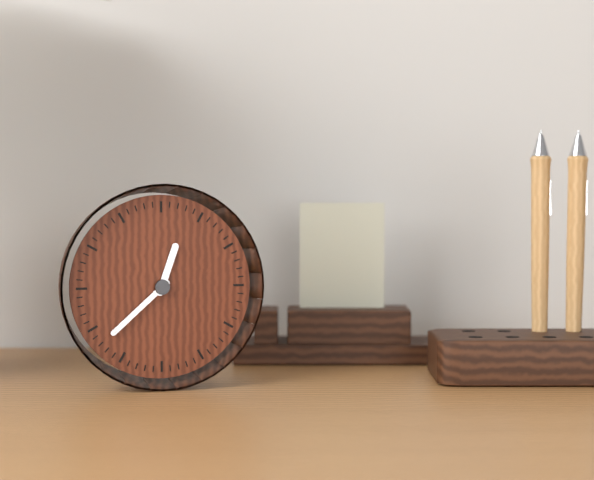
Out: 12:38
